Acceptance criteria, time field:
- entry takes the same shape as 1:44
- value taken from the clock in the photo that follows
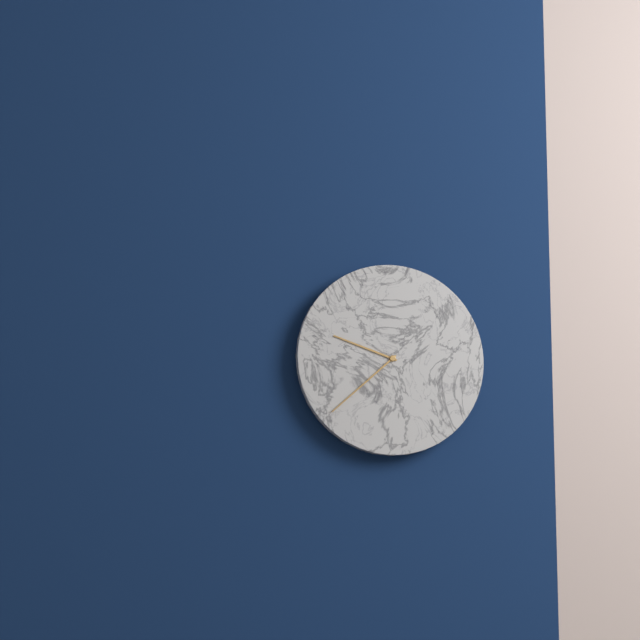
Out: 9:38
